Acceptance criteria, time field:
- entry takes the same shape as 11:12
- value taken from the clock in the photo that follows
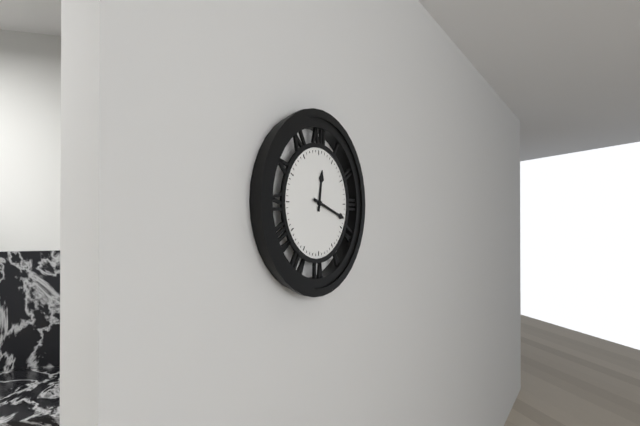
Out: 12:18
